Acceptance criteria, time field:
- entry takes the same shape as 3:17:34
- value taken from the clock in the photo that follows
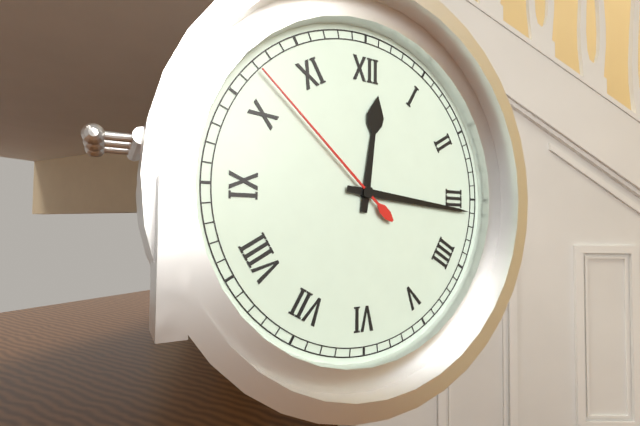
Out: 12:16:52
